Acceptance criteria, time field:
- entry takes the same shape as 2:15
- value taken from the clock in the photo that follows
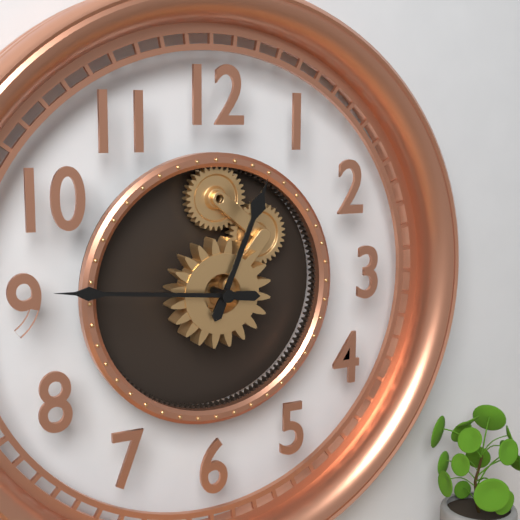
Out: 12:46
